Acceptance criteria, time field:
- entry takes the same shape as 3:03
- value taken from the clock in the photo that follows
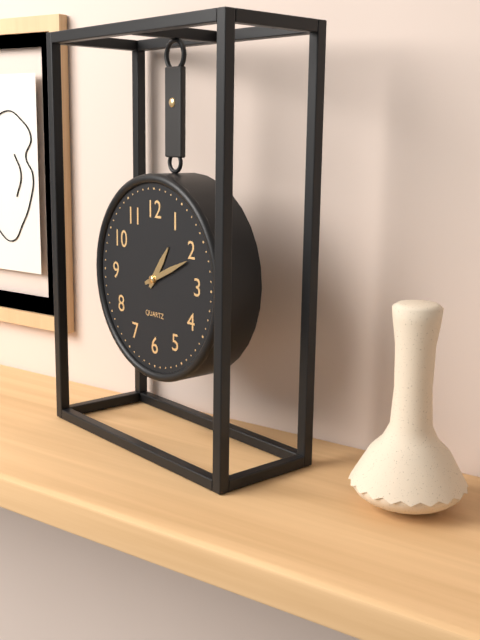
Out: 1:11
